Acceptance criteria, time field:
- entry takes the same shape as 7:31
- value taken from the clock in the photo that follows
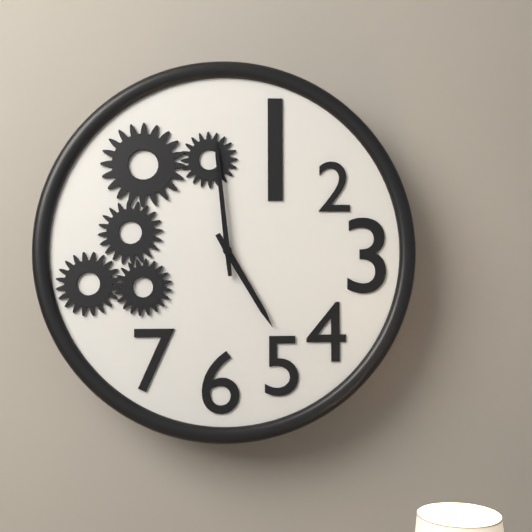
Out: 4:59
